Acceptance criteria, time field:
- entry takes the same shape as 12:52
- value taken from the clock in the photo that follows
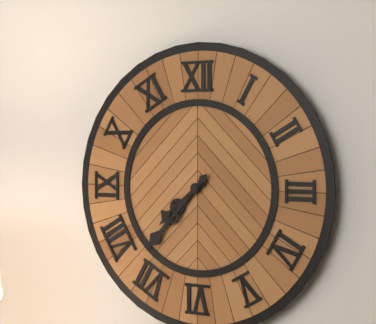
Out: 7:37
